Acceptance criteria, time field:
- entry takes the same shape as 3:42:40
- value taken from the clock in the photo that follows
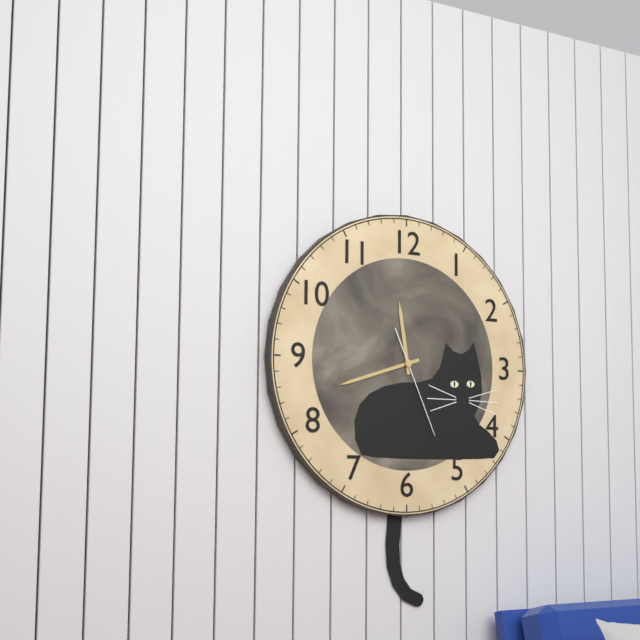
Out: 11:42:26
